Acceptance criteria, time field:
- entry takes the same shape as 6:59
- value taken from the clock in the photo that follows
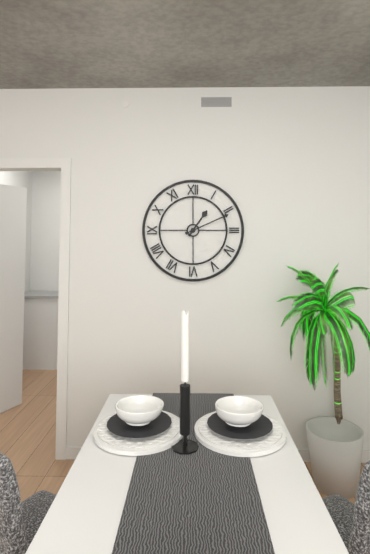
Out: 1:11
